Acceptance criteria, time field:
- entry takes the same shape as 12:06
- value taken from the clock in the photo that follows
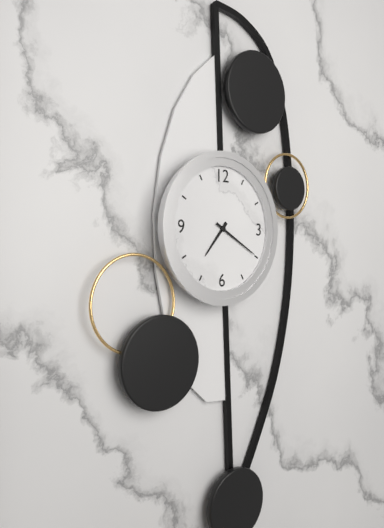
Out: 7:20
